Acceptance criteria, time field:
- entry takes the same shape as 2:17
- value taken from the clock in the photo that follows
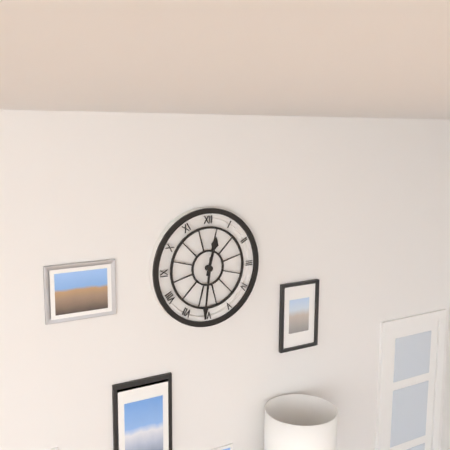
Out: 12:31
